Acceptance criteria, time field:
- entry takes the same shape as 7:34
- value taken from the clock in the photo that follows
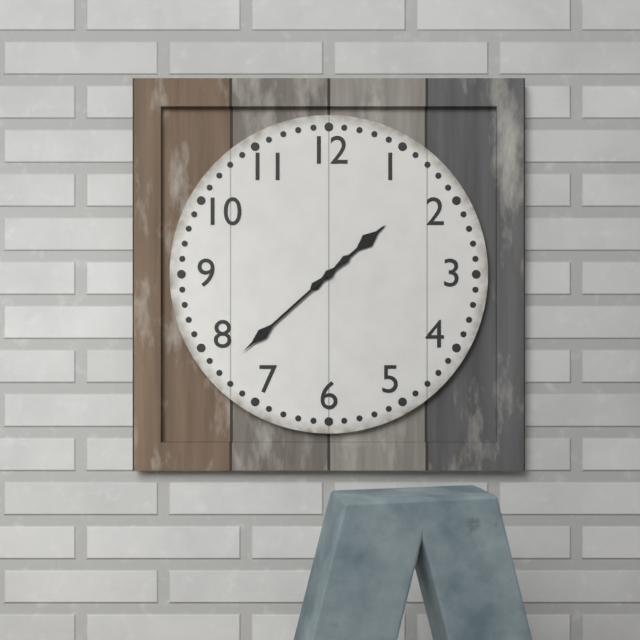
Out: 1:38
